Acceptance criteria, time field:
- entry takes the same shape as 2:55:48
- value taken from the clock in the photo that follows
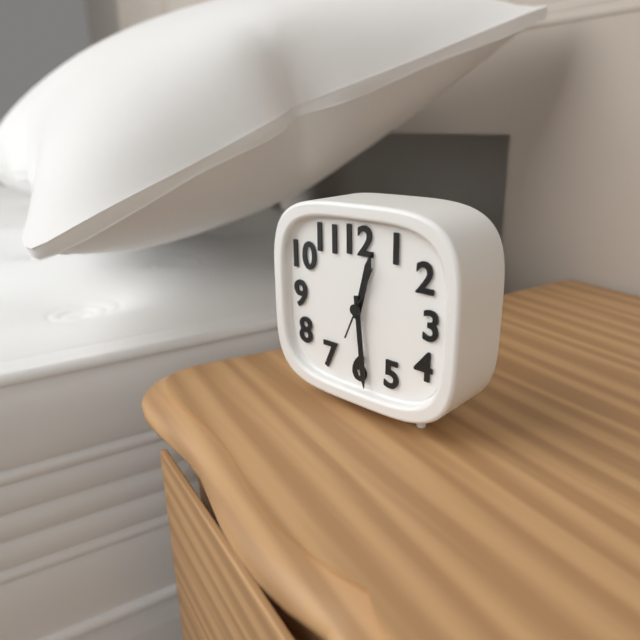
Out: 12:29:04
